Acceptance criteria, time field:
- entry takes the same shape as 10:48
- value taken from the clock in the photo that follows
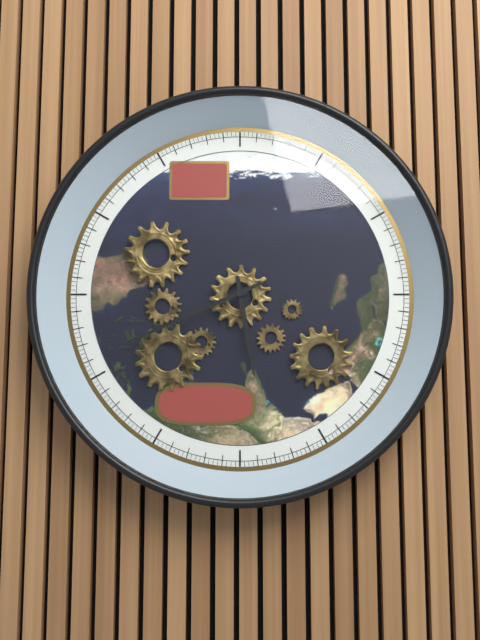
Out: 5:41
